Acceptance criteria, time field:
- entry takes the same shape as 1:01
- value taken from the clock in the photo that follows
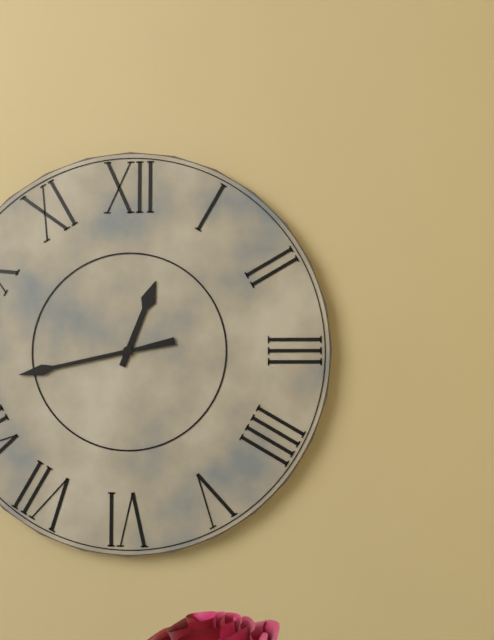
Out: 12:43
